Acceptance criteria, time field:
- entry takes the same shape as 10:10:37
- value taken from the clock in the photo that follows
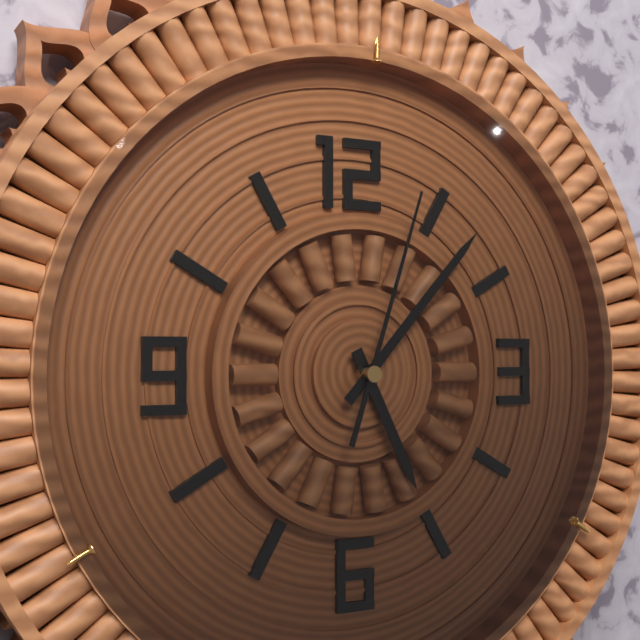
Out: 5:07:03
